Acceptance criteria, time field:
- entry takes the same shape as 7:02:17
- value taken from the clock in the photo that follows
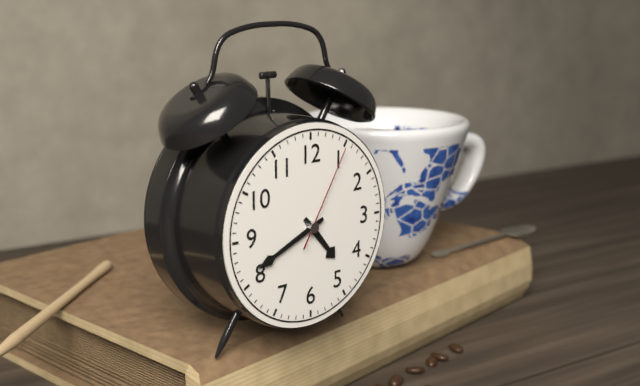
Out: 4:41:05
